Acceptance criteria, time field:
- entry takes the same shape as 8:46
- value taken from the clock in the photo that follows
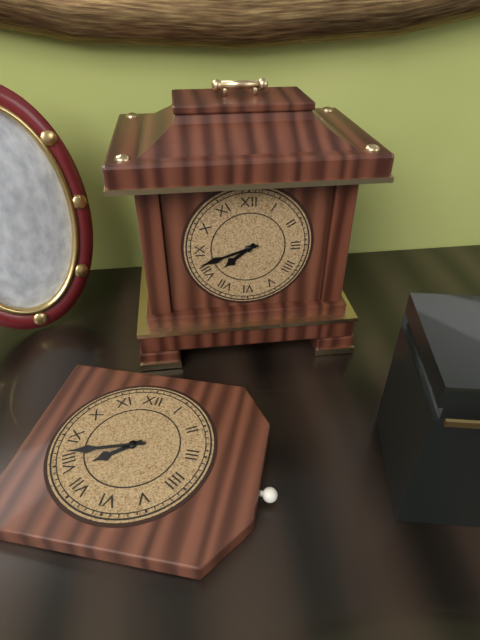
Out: 7:42
